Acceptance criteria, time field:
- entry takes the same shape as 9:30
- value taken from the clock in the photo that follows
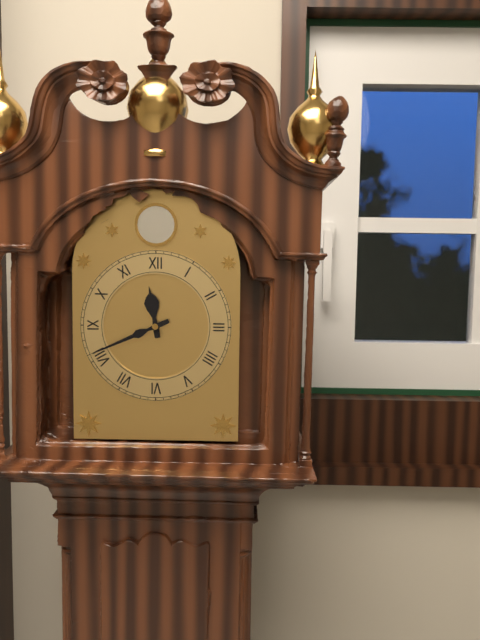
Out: 11:41
